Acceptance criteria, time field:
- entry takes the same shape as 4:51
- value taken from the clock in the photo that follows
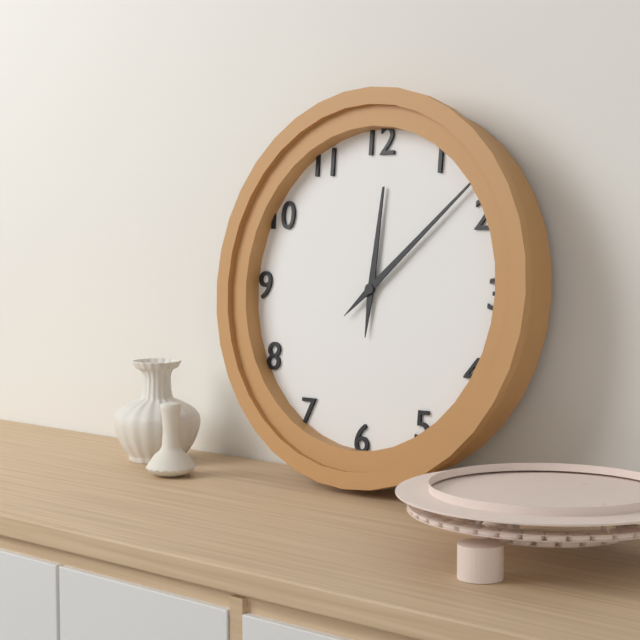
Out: 12:08
